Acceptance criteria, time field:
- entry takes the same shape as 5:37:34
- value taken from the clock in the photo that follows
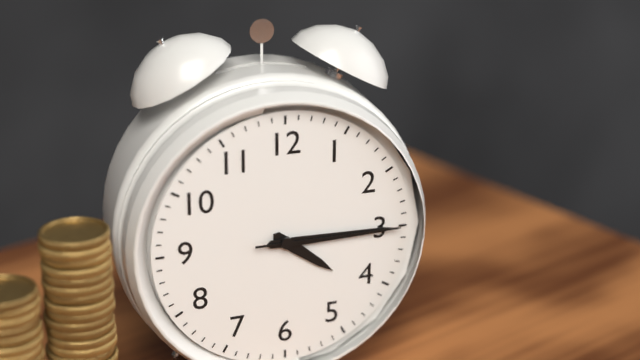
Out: 4:15:15
